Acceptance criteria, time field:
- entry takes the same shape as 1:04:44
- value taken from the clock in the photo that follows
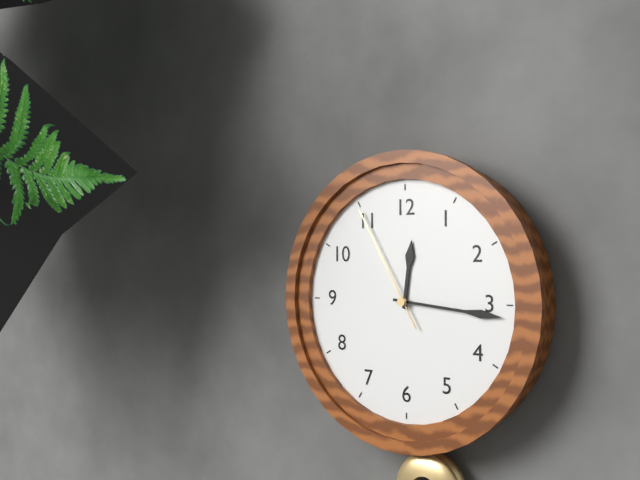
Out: 12:16:55
